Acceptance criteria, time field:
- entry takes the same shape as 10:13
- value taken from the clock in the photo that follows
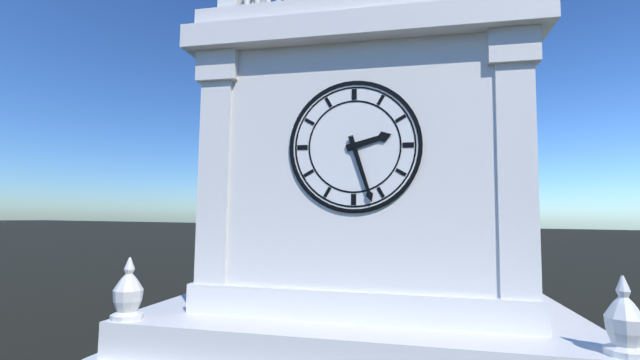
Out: 2:27
